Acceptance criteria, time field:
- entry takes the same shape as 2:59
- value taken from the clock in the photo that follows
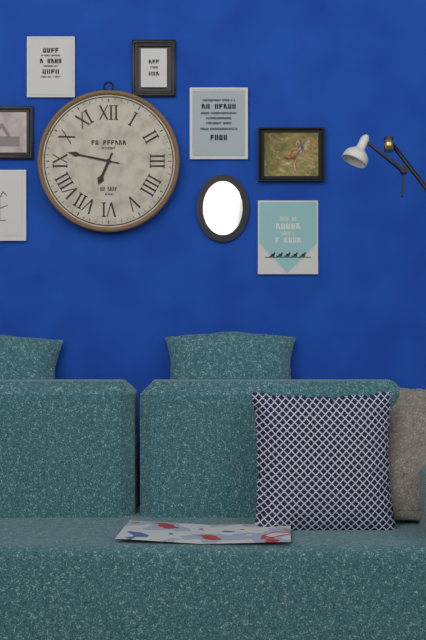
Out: 6:47
